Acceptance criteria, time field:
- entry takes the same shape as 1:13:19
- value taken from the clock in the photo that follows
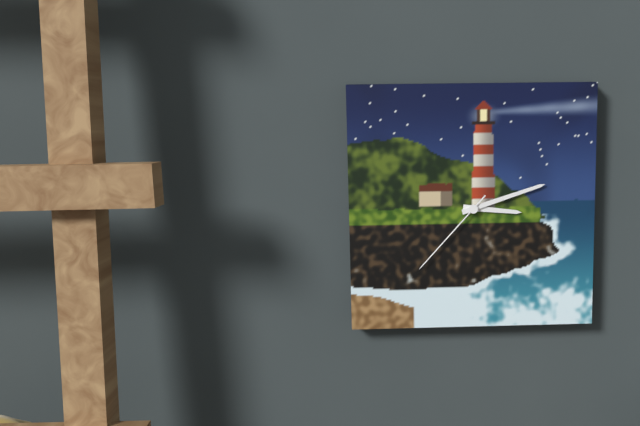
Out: 3:12:37
